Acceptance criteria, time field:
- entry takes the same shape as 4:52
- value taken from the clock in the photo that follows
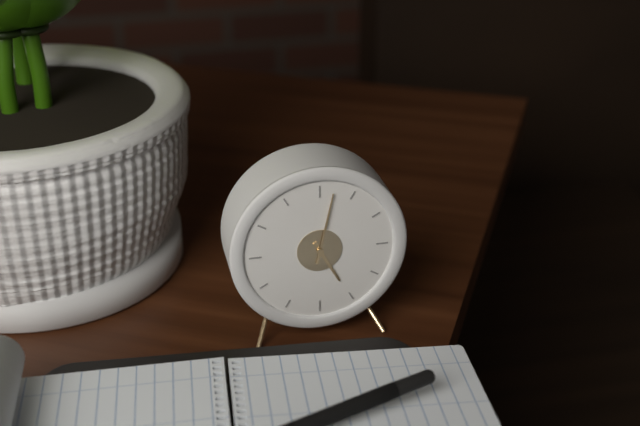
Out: 5:02
